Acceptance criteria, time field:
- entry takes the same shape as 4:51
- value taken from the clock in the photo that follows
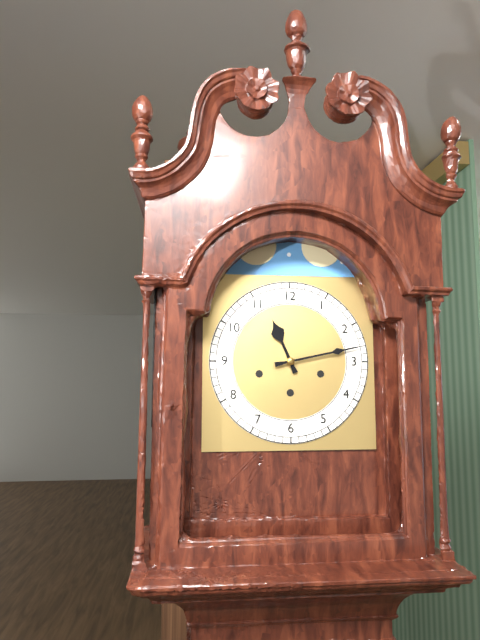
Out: 11:13
